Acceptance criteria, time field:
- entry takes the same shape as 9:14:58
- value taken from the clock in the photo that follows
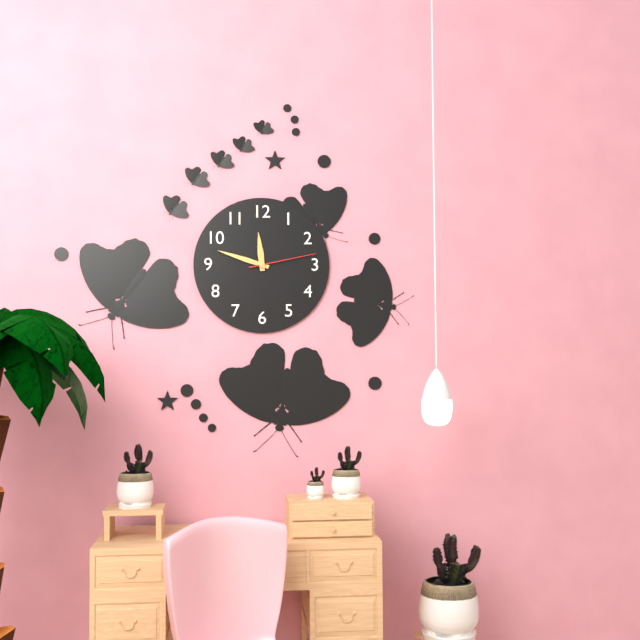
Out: 11:48:13
